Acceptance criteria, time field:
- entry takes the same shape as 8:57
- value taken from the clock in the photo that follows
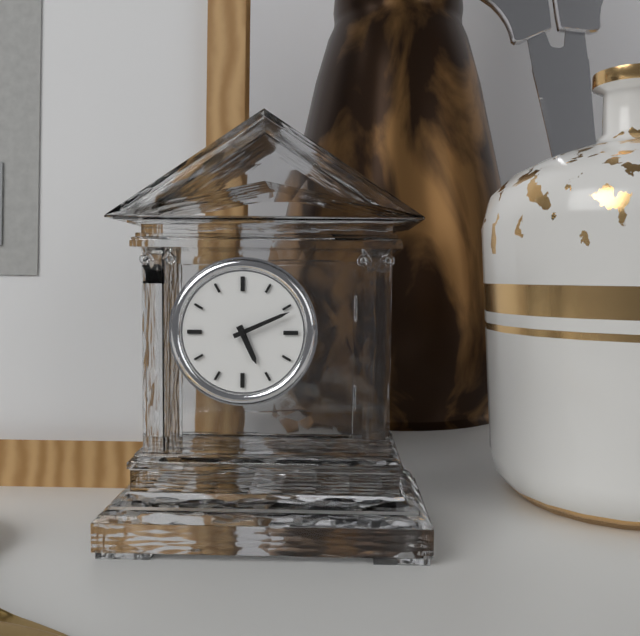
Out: 5:11
